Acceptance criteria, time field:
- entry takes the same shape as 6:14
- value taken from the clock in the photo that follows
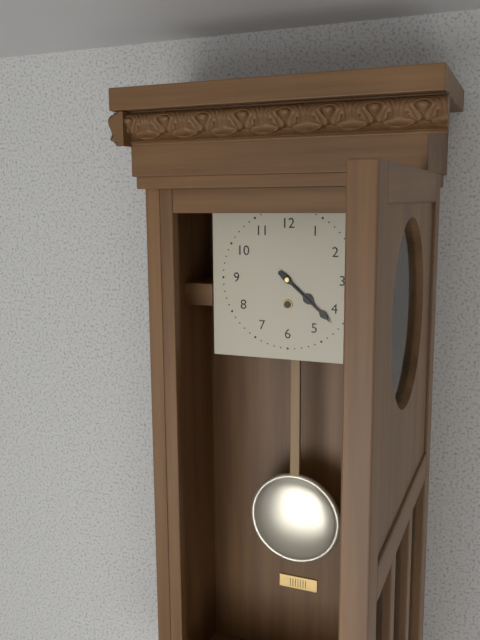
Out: 4:22
